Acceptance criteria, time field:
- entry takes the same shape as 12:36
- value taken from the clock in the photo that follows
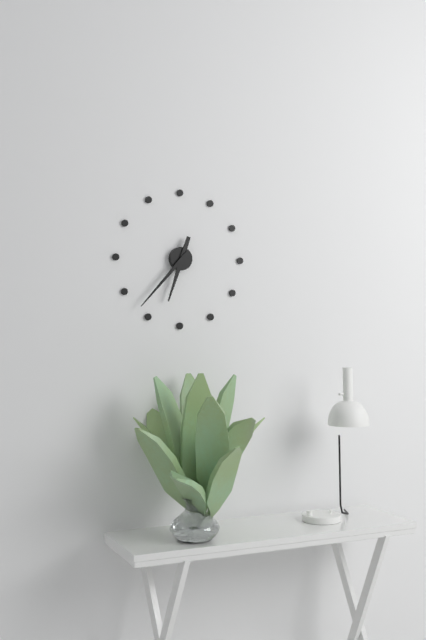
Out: 6:37
